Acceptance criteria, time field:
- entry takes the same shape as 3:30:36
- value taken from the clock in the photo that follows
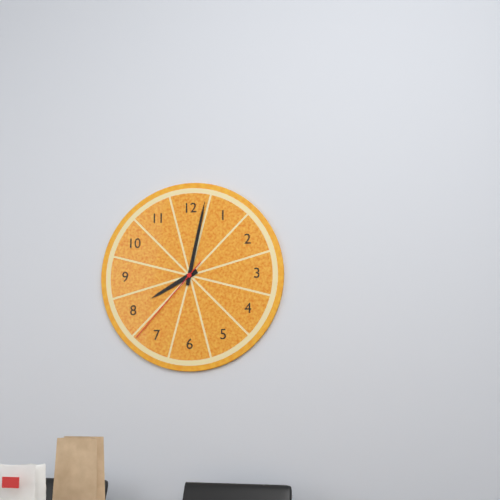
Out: 8:02:37
